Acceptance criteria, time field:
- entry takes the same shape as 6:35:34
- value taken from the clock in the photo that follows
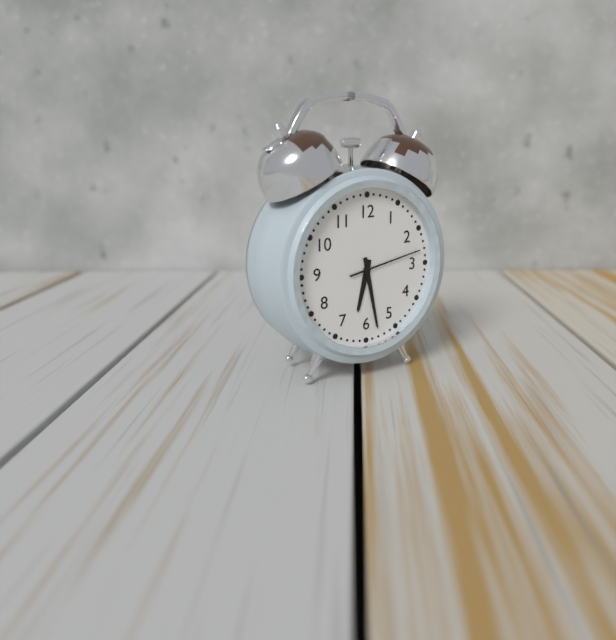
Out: 6:28:13
